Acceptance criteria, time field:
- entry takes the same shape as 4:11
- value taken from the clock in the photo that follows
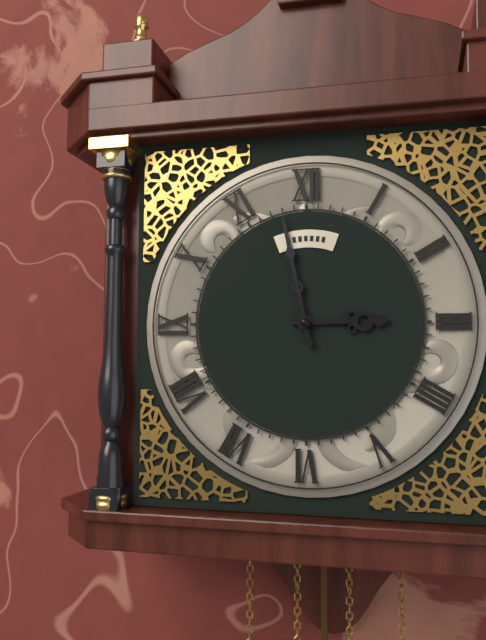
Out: 2:58
